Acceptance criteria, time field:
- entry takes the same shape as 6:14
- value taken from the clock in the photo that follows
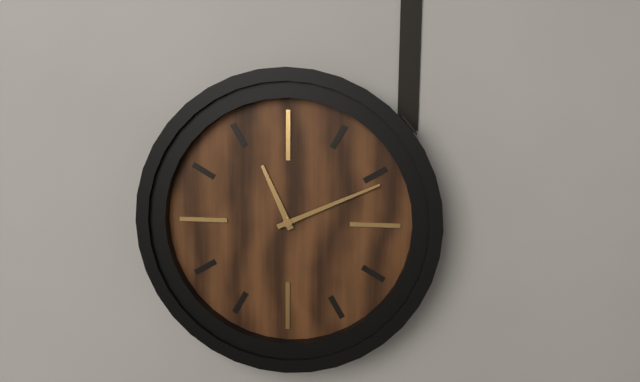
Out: 11:11
